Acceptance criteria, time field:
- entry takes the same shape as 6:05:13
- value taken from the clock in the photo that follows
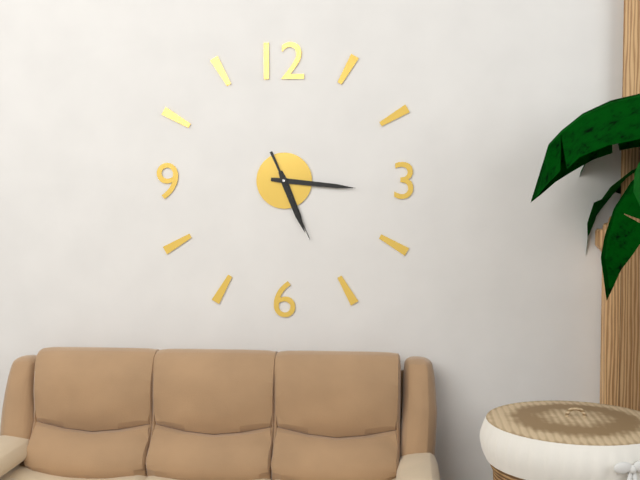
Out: 5:16:26
